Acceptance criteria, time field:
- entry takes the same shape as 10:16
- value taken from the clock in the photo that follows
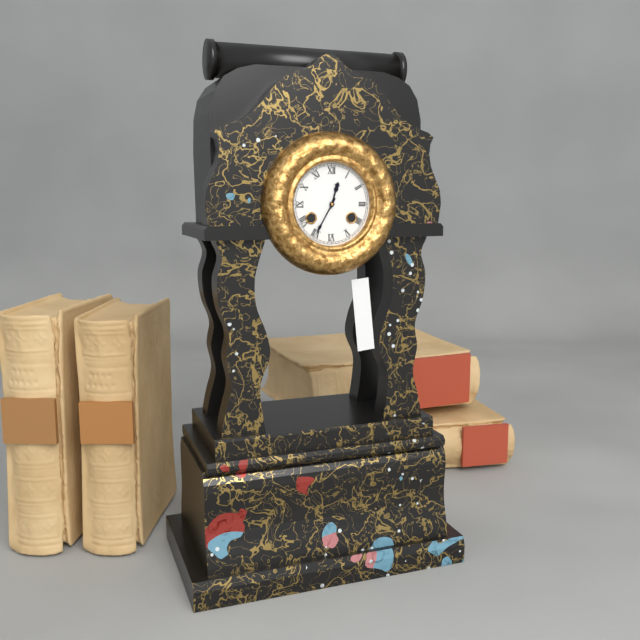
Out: 12:35
